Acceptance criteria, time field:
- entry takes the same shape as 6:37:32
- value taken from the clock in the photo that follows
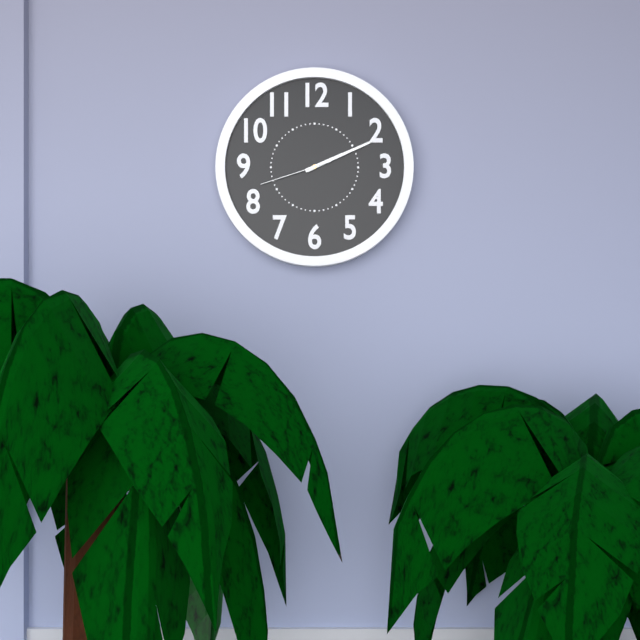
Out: 2:11:42
